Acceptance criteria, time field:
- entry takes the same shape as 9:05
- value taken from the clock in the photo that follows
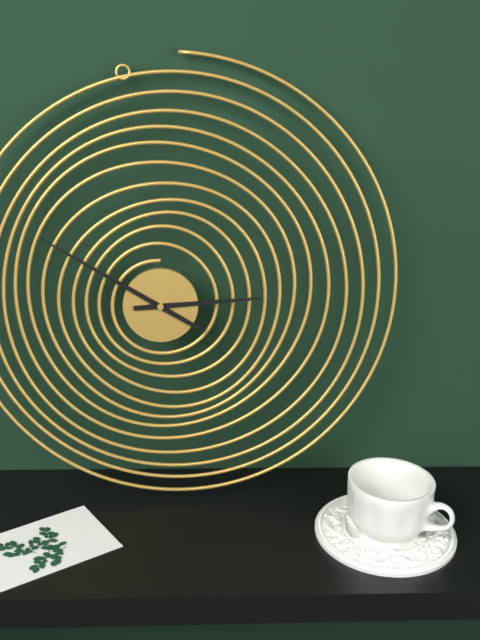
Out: 2:50
